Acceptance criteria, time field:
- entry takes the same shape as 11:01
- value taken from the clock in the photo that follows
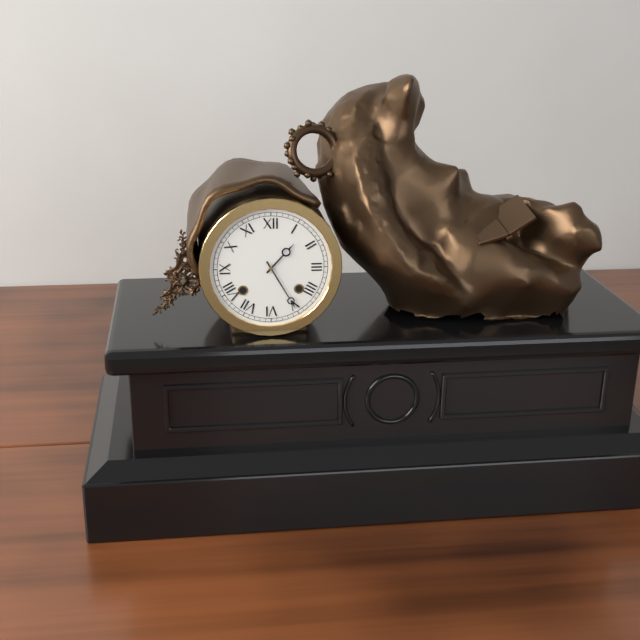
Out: 1:25
